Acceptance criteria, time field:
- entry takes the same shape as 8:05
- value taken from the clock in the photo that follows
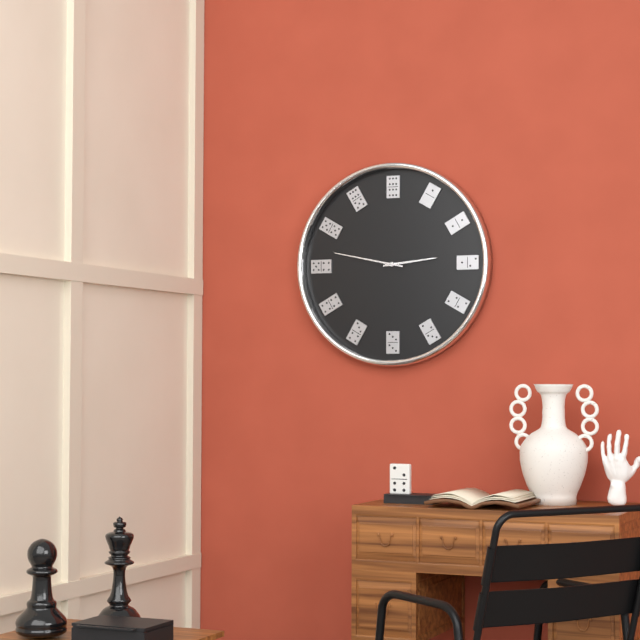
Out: 2:47
